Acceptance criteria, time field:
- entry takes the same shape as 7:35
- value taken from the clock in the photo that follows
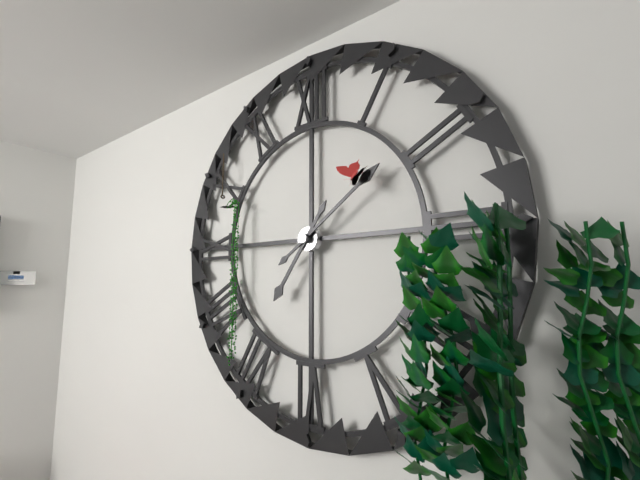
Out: 7:09
